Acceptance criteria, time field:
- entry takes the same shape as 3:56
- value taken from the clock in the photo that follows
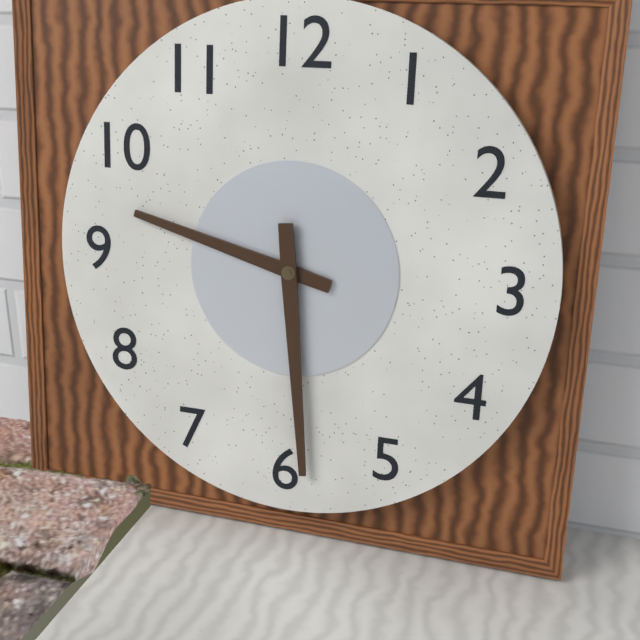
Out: 9:29
